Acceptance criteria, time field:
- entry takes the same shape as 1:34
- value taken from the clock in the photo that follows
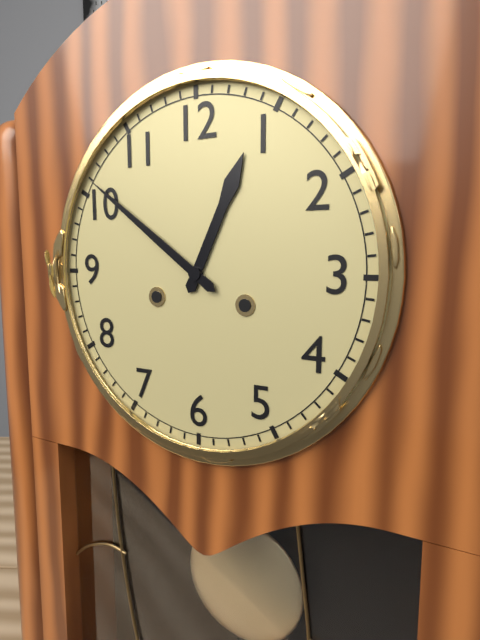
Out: 12:51
